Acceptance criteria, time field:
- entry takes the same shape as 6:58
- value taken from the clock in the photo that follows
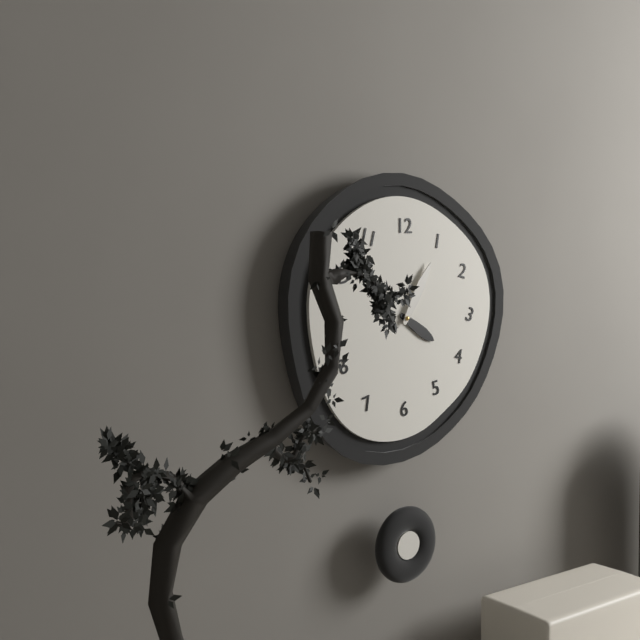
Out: 4:05
